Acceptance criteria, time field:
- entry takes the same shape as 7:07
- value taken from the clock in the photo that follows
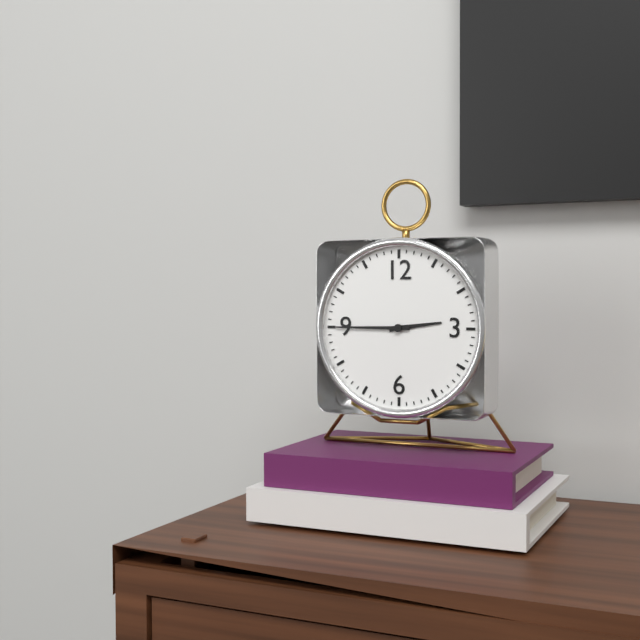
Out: 2:45
